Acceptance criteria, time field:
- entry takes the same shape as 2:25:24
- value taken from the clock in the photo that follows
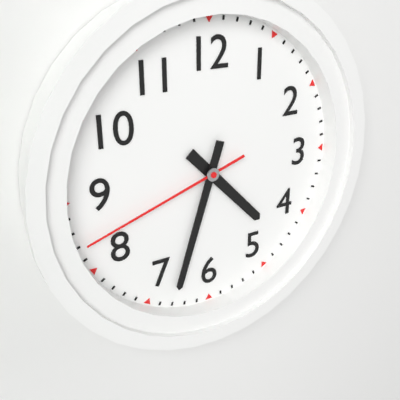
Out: 4:33:42
